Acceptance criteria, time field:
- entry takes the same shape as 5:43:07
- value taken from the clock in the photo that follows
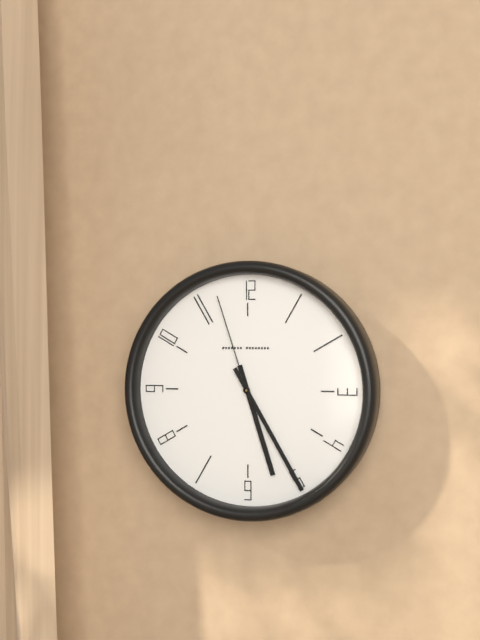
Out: 5:25:57
